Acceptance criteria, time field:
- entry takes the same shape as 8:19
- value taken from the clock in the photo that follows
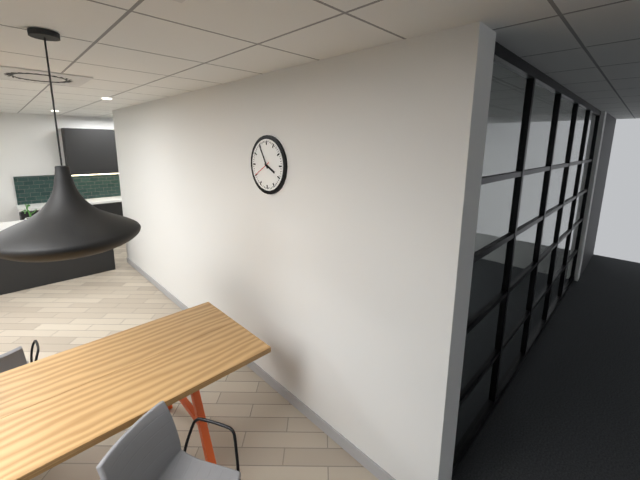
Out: 3:55
